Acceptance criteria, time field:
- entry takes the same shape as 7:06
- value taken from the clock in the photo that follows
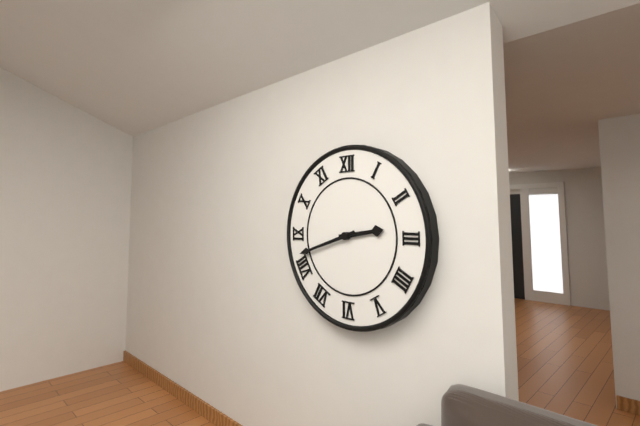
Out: 2:42
